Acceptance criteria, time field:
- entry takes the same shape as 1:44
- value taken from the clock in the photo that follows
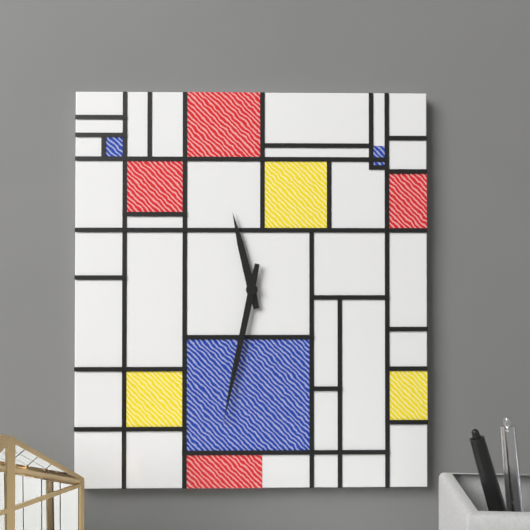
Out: 11:32
